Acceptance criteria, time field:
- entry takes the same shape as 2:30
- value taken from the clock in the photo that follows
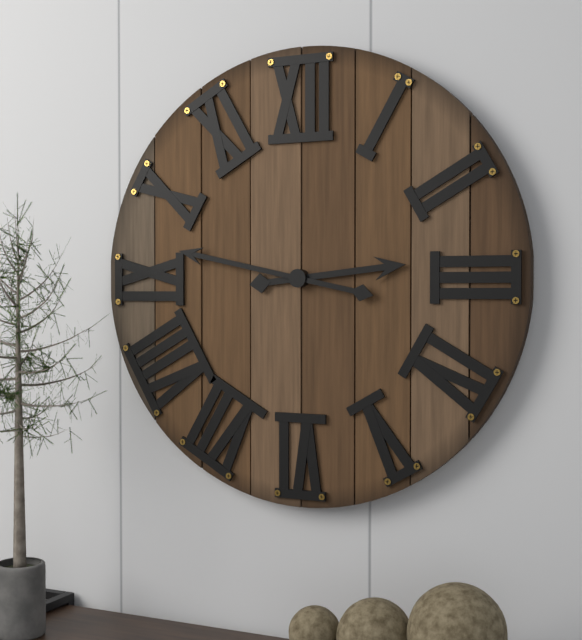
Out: 2:47
